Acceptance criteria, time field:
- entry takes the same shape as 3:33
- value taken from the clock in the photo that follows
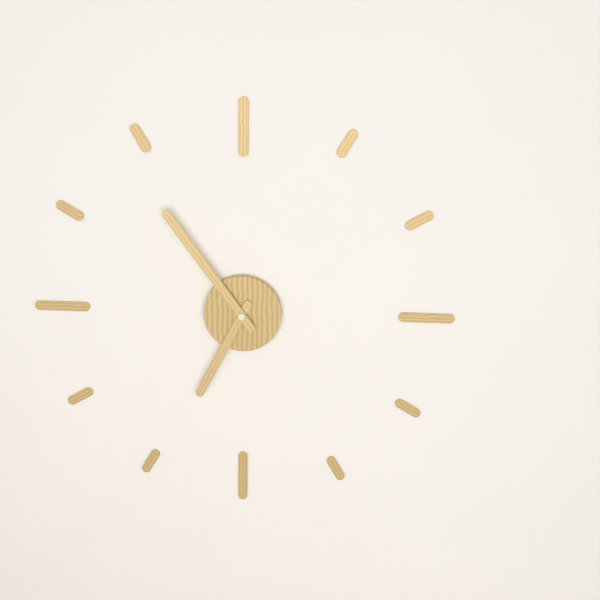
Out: 6:54
